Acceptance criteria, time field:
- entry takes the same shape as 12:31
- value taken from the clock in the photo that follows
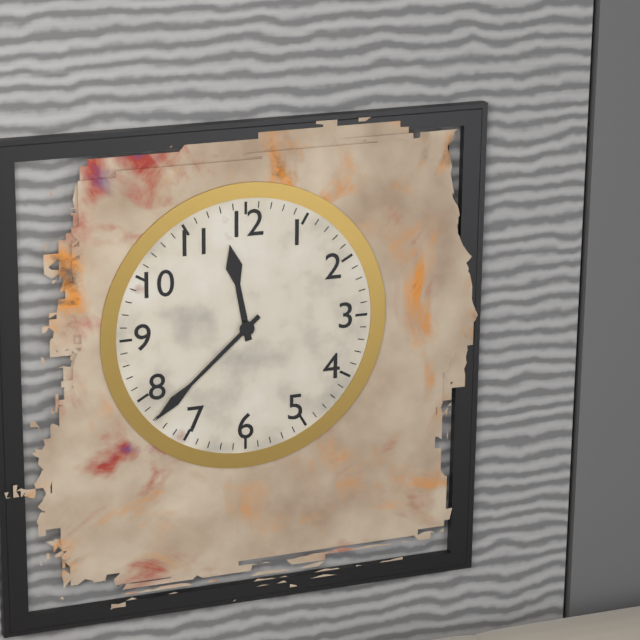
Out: 11:38
